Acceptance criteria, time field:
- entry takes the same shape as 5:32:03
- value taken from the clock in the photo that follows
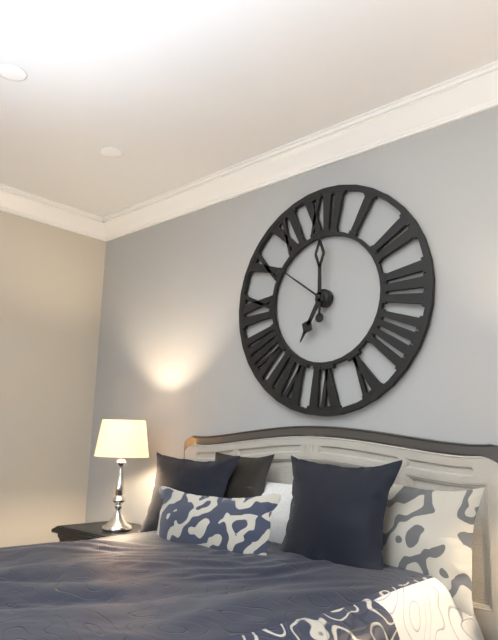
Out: 7:00:51
